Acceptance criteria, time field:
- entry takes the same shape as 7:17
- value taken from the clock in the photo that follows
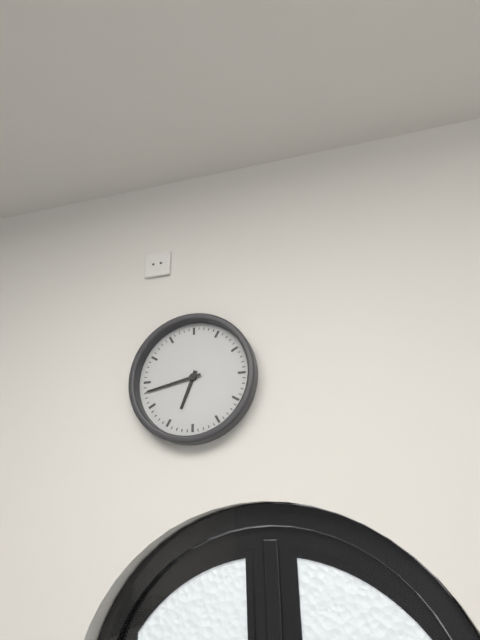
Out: 6:43
